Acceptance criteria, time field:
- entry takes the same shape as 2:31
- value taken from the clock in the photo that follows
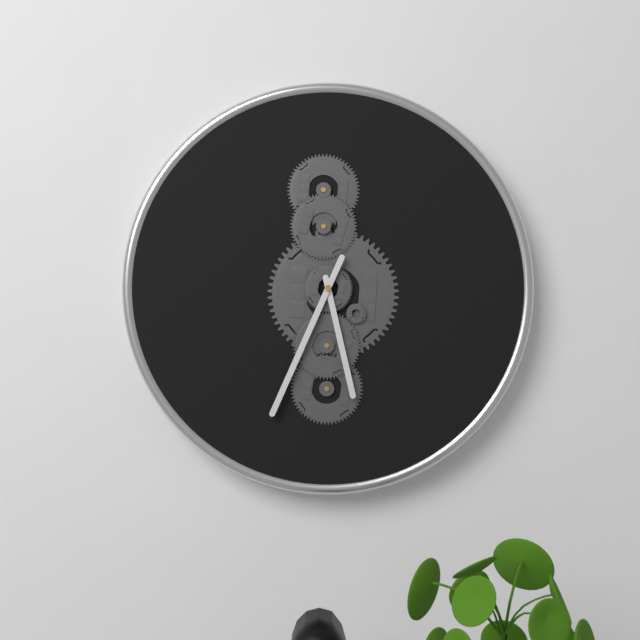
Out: 5:34
